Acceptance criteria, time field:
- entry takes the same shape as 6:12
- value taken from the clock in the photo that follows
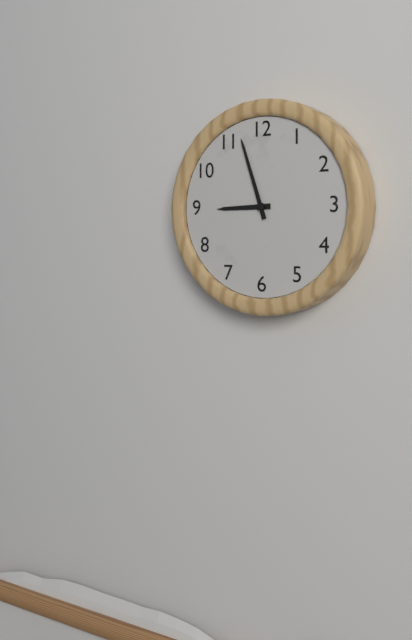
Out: 8:57
